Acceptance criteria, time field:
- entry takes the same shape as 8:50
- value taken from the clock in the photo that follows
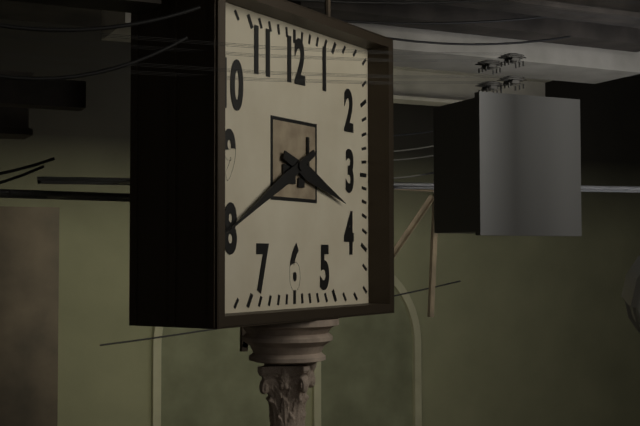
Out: 3:40
